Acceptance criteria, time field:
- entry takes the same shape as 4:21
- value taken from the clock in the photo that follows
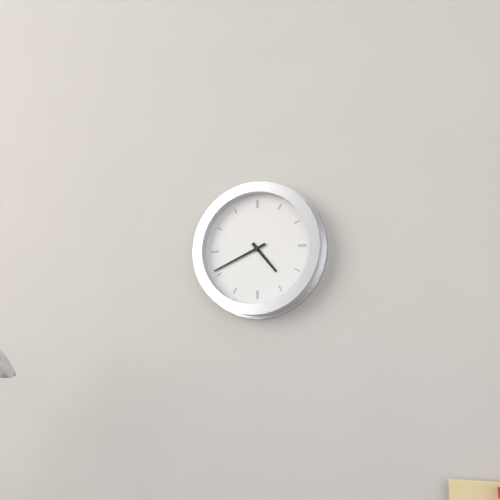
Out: 4:41
